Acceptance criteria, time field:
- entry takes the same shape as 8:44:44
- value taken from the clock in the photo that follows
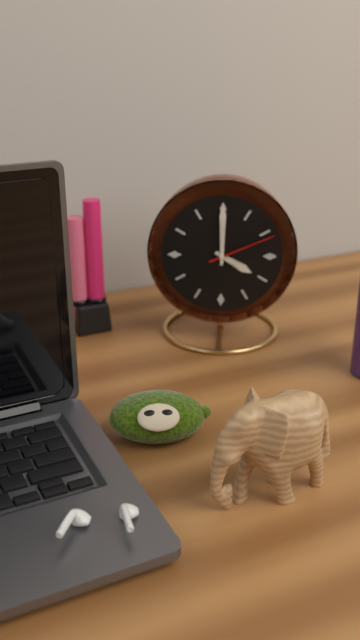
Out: 4:00:11
